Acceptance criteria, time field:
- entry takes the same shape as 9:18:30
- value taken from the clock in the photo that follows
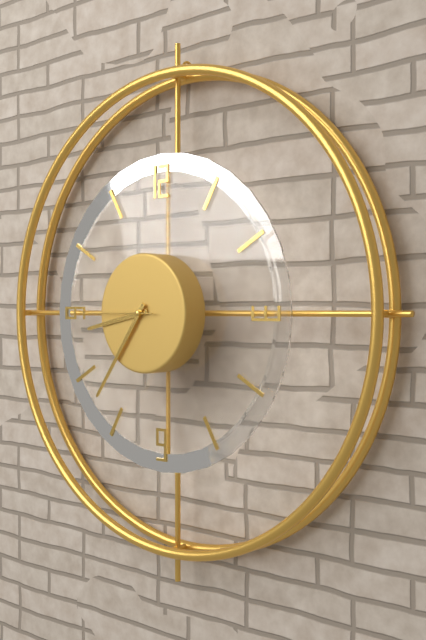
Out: 8:36:45
